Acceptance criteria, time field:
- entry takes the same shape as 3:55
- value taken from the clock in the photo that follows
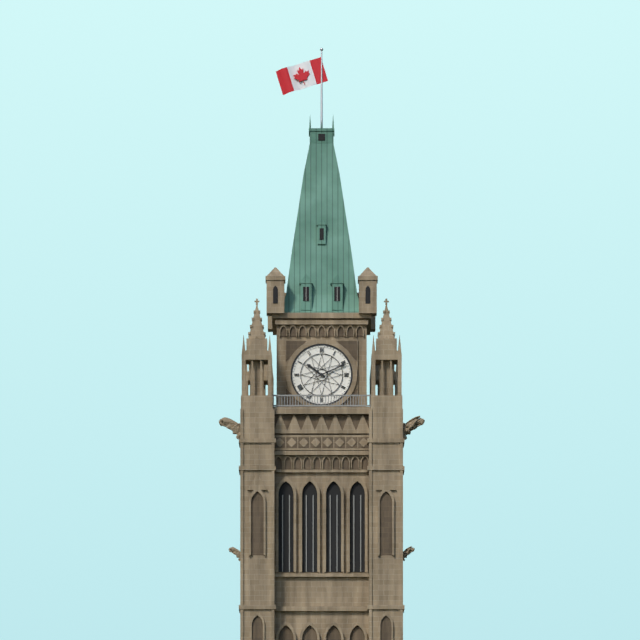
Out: 10:11
